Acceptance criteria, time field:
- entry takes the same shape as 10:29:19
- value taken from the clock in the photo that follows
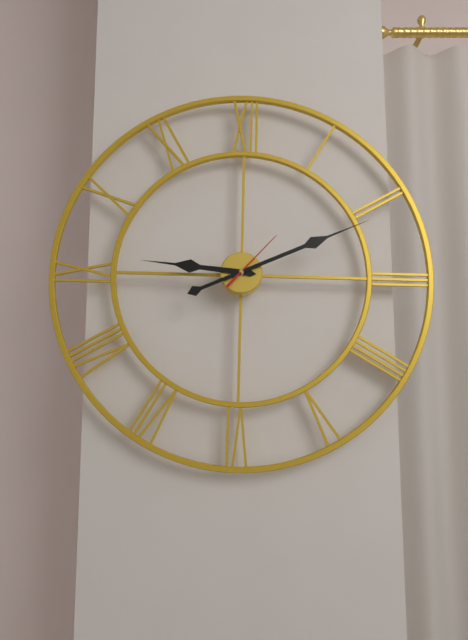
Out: 9:11:07
